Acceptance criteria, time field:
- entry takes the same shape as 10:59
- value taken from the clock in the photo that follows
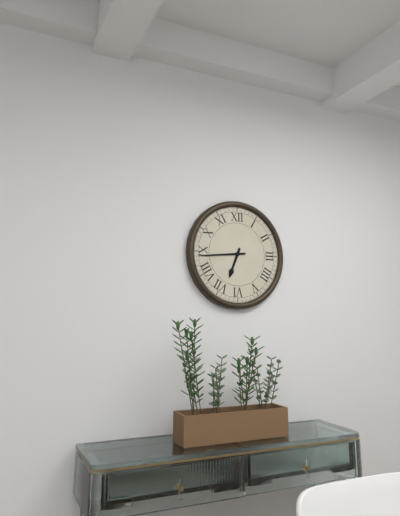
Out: 6:44
